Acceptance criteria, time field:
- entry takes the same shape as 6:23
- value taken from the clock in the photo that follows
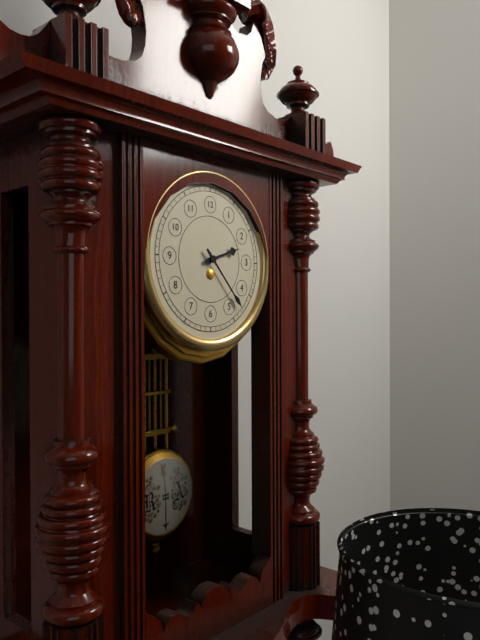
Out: 2:23
